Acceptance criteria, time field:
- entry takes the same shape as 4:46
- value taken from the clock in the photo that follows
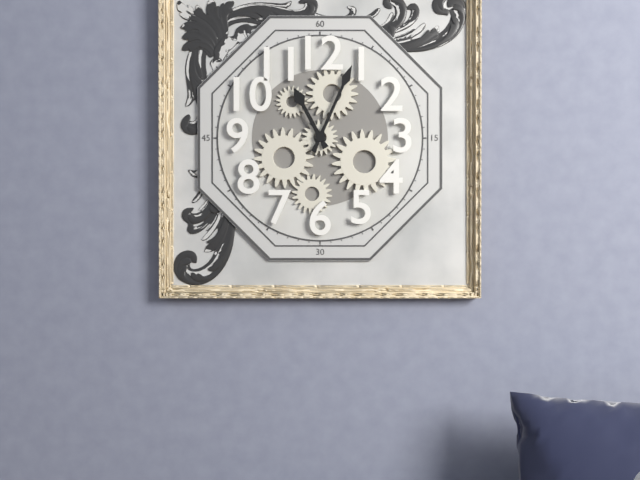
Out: 11:04
